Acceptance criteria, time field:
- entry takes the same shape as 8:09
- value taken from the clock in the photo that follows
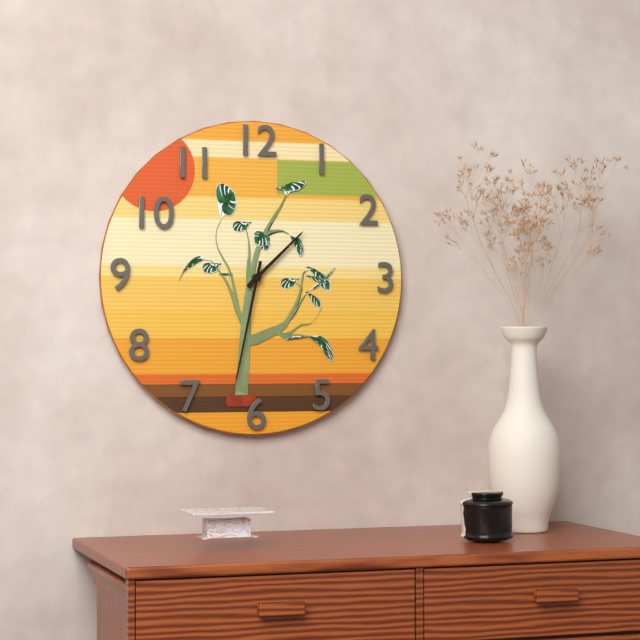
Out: 1:32
